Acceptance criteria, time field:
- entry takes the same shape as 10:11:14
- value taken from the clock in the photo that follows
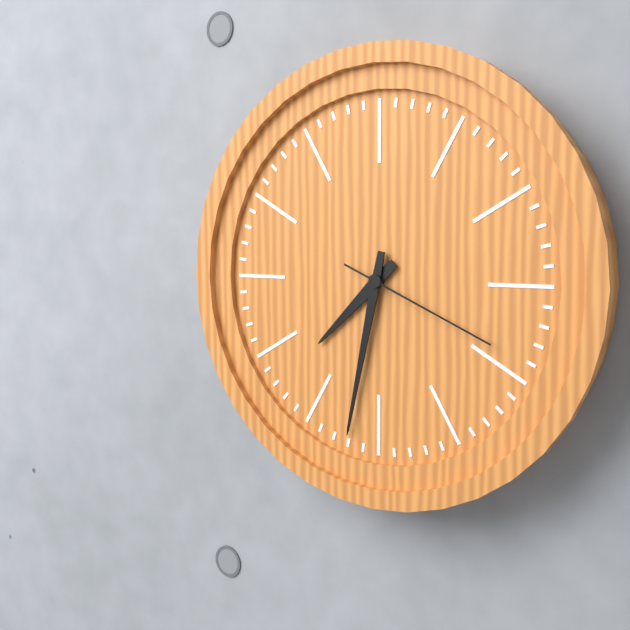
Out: 7:32:19
